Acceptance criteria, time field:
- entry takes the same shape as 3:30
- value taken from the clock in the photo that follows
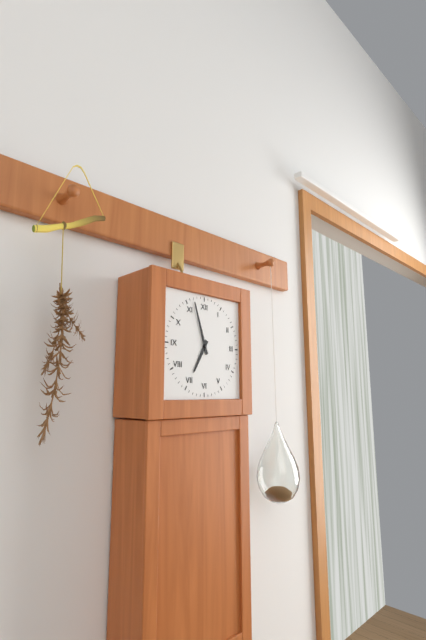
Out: 6:57
